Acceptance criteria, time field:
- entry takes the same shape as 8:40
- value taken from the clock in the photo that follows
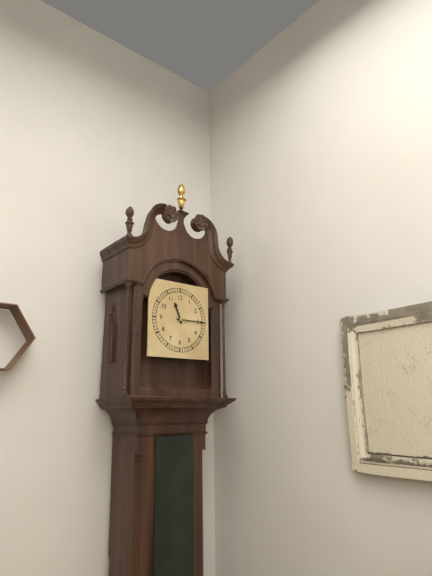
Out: 11:15
